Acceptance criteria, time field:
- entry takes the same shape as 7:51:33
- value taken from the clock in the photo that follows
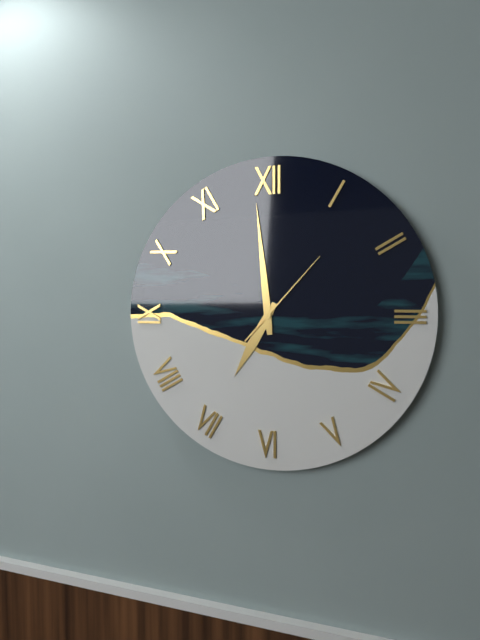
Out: 6:59:07
